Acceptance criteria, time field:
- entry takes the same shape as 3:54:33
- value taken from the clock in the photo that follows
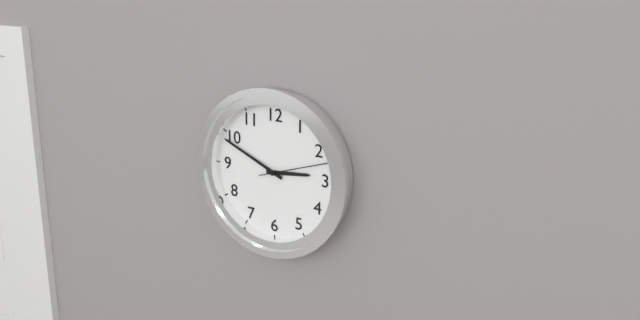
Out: 2:49:12
